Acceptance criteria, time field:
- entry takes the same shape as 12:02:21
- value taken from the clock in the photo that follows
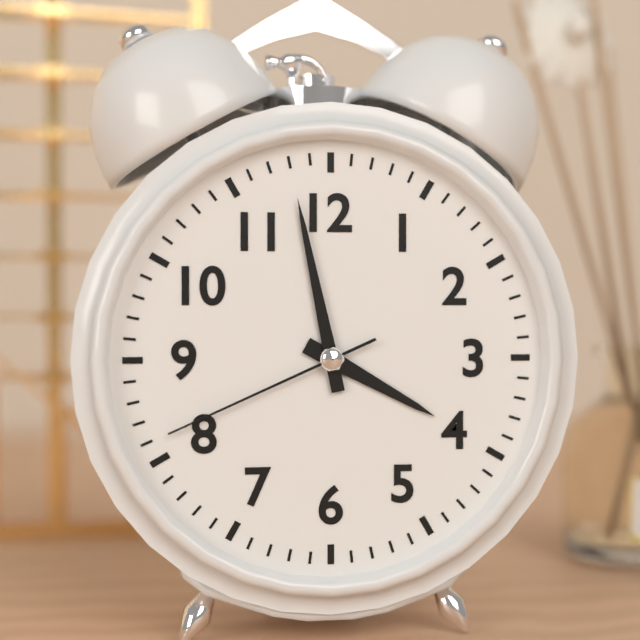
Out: 3:58:41
